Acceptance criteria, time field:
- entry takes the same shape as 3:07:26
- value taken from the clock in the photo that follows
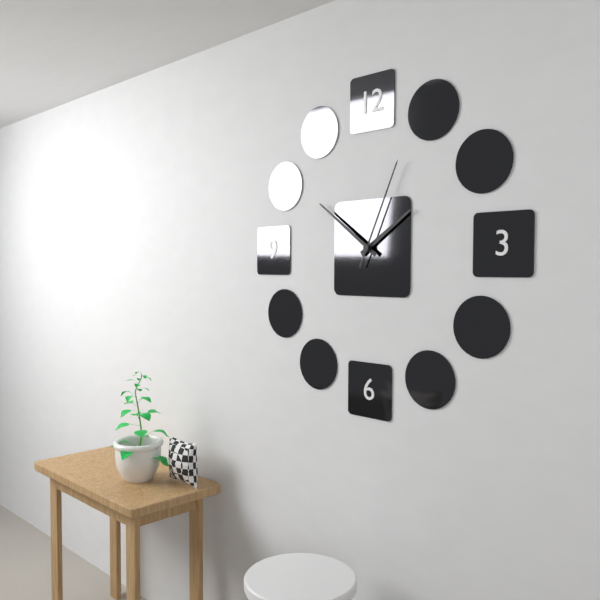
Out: 1:51:04
